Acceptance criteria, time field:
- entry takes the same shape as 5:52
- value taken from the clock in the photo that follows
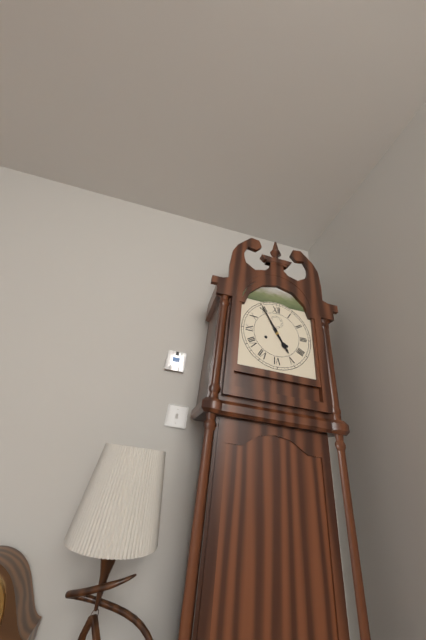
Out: 4:55
